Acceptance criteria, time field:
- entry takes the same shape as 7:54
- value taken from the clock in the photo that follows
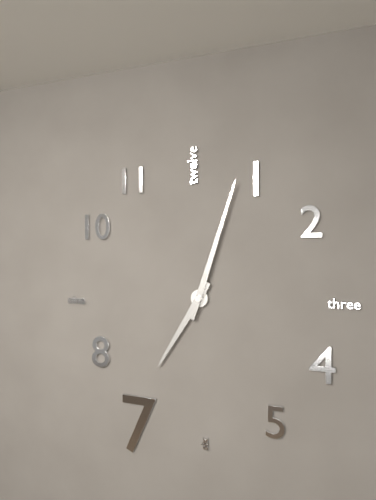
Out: 7:03
